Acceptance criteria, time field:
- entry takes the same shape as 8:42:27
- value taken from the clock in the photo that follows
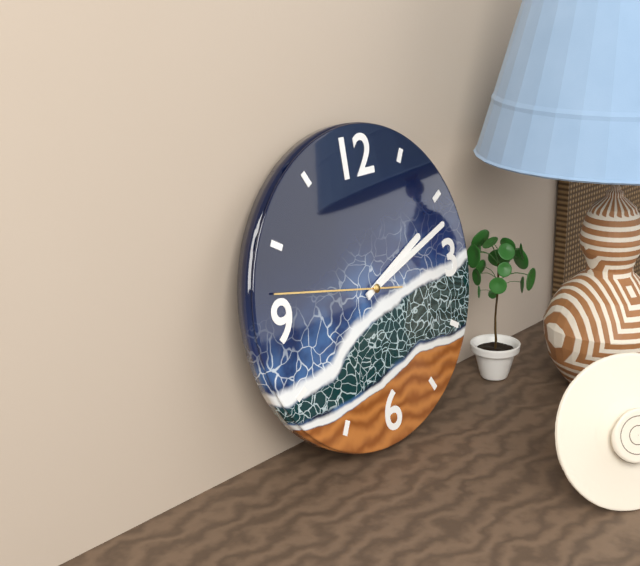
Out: 2:12:47
